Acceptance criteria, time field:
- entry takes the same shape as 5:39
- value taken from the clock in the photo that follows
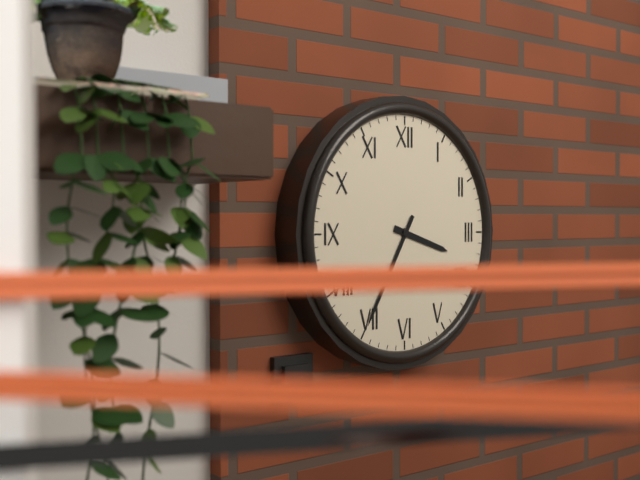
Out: 3:35
